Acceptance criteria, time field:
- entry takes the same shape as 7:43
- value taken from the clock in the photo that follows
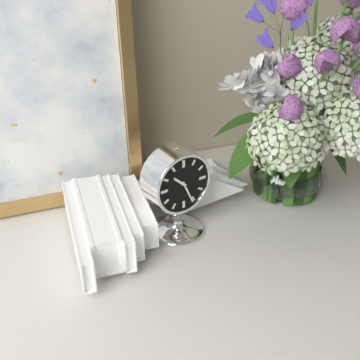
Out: 10:26
